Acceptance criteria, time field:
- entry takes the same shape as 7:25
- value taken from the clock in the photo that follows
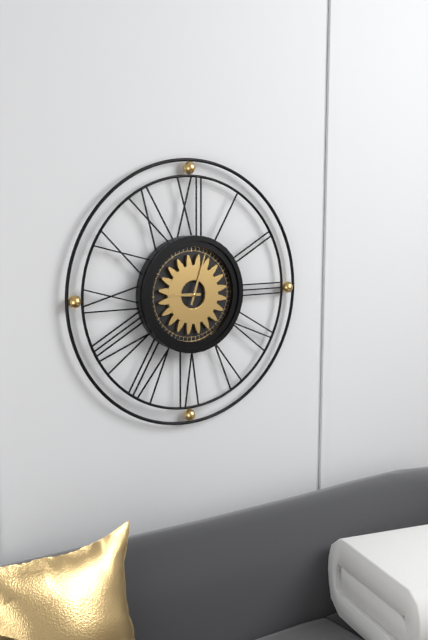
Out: 9:03
